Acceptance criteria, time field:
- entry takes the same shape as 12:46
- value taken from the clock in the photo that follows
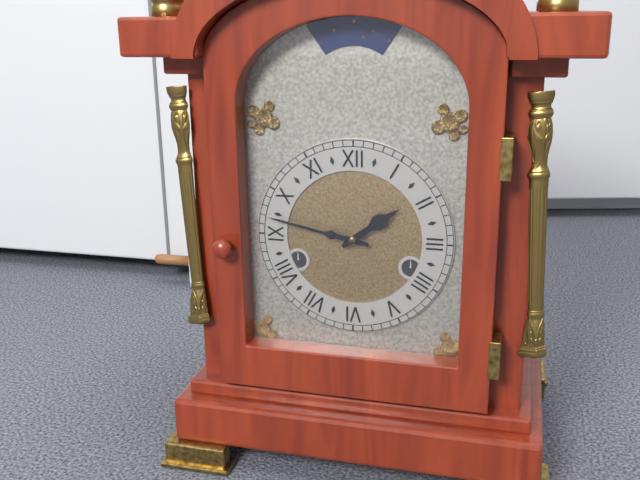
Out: 1:47
